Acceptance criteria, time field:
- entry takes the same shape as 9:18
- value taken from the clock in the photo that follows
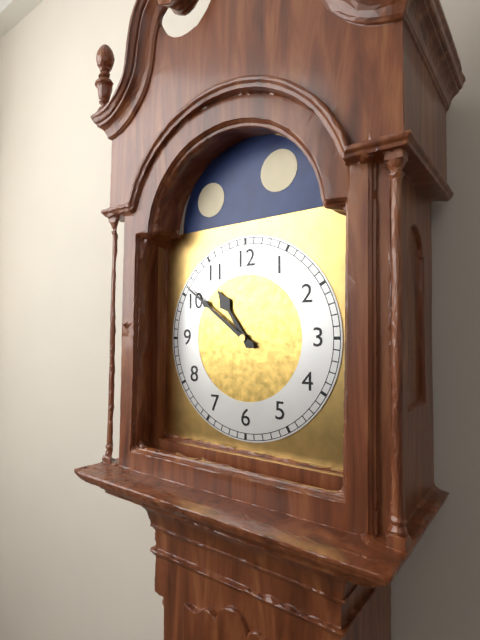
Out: 10:51
